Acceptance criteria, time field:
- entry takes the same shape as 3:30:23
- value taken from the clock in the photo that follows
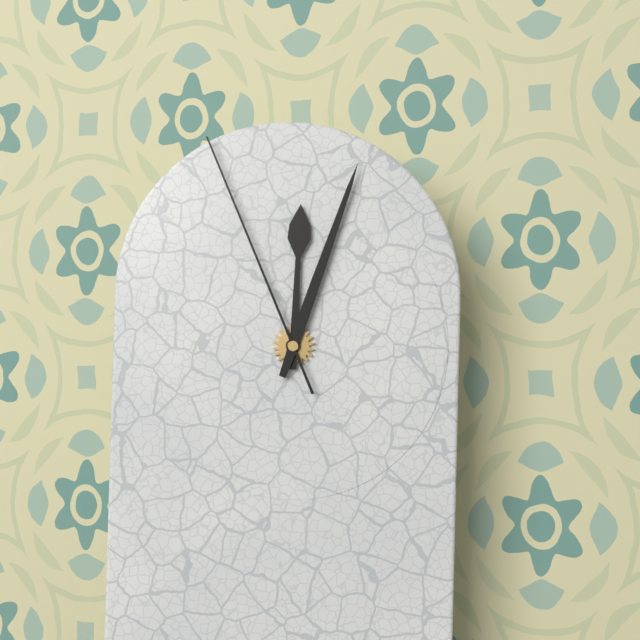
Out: 12:03:56
